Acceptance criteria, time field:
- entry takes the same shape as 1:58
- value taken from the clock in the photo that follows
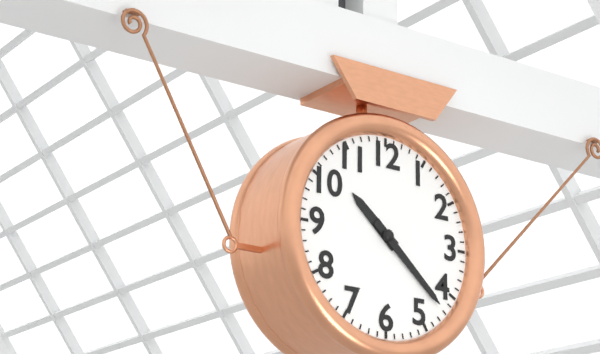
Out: 10:22
